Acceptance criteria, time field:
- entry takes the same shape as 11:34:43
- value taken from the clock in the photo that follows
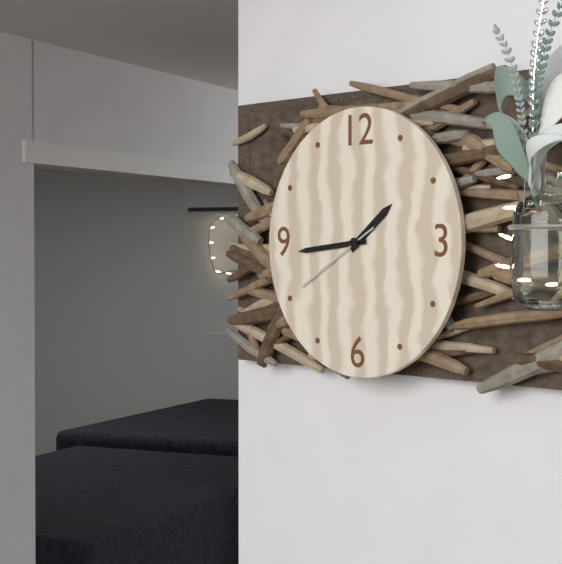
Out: 1:44:40
